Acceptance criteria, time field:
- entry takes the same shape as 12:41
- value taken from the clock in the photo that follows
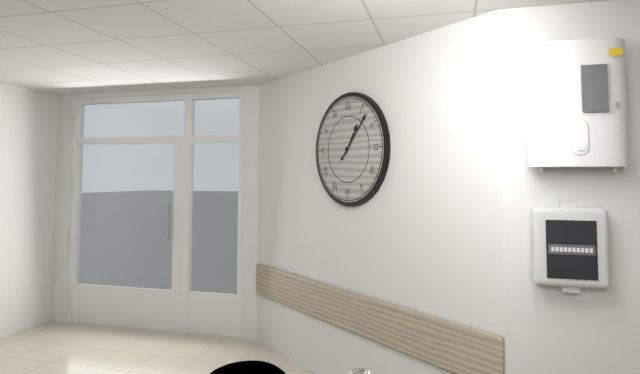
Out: 1:07
